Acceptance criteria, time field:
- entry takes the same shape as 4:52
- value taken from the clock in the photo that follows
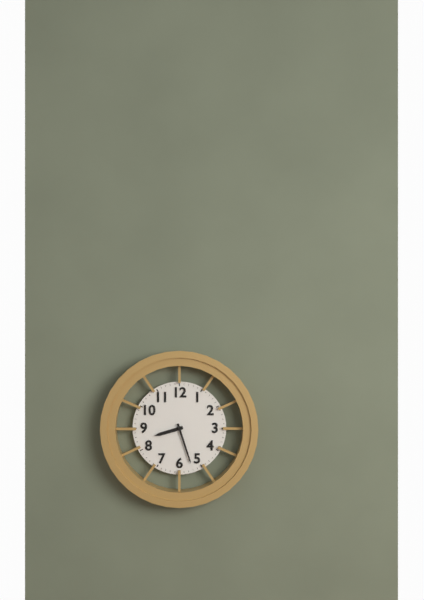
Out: 8:27
